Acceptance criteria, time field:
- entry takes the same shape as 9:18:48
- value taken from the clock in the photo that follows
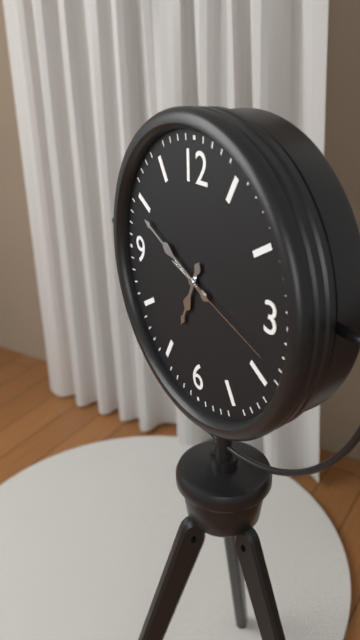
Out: 6:49:18
